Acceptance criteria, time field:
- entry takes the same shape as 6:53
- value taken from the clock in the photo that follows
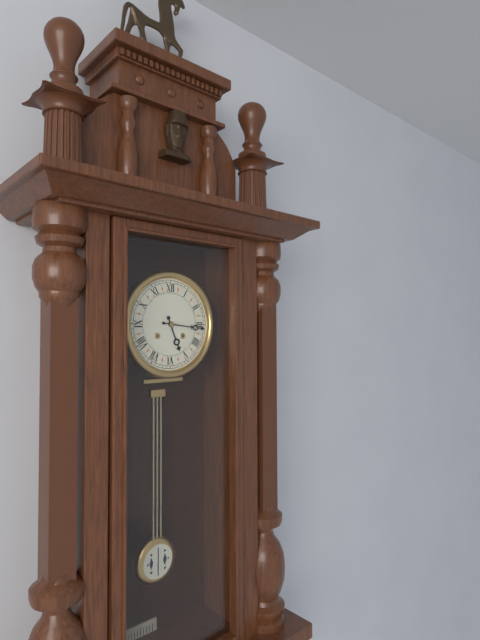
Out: 5:16
